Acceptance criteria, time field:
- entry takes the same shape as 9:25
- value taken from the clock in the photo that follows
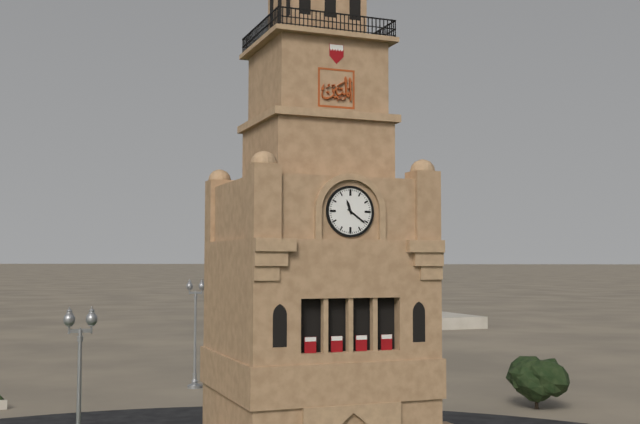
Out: 11:21
